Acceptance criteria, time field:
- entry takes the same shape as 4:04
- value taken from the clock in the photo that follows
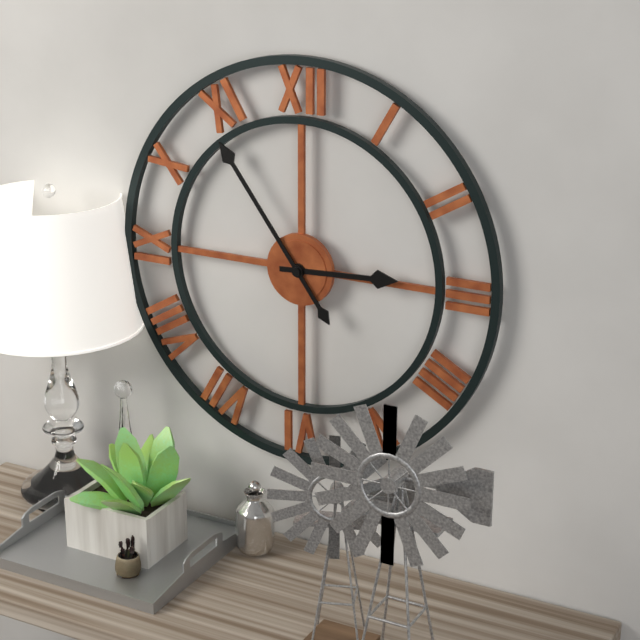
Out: 2:54
